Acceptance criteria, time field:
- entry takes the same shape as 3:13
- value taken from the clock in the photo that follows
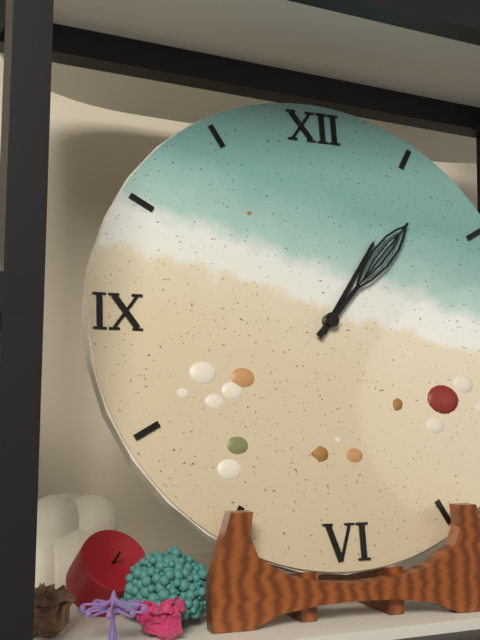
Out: 1:07
